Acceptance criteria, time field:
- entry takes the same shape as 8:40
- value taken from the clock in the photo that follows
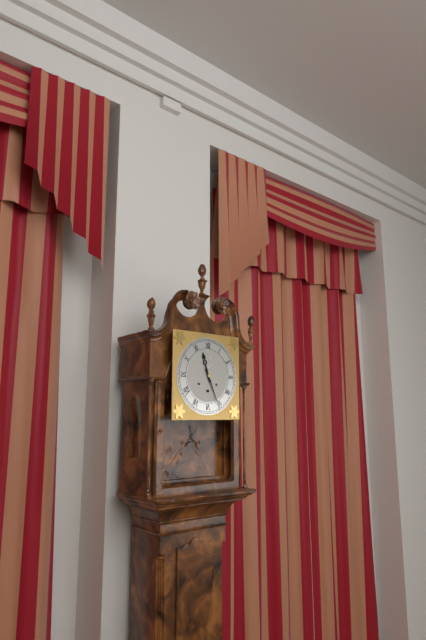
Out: 11:26
